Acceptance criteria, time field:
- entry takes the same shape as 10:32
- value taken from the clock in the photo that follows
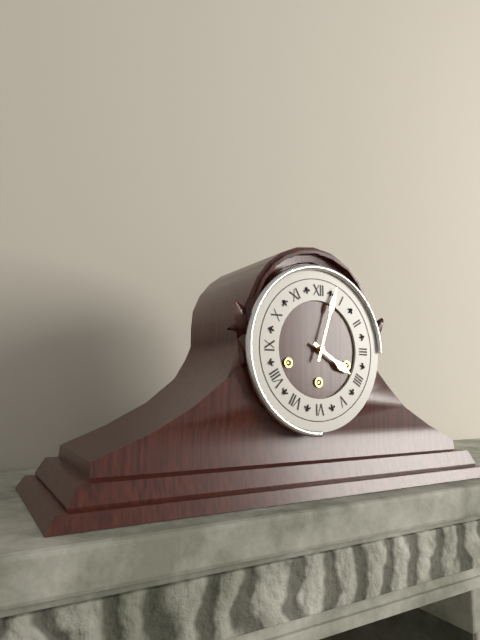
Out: 4:03
